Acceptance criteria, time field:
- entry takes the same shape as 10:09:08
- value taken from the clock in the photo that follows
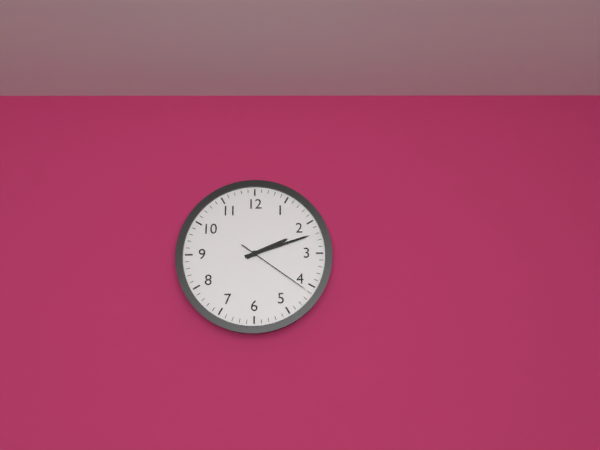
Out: 2:12:21
